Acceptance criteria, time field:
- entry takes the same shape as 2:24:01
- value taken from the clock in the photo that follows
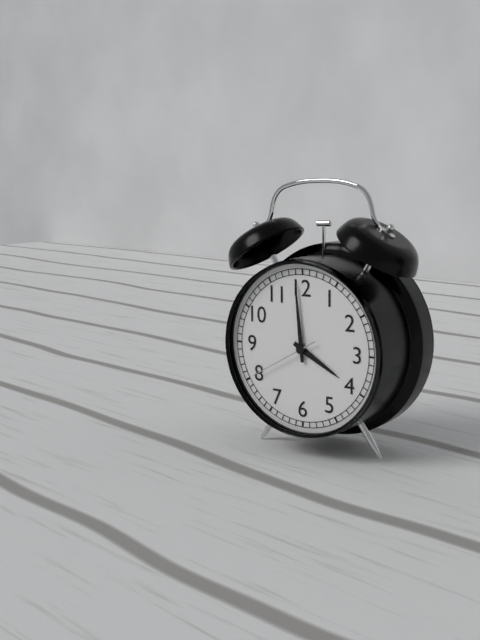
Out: 3:59:40
